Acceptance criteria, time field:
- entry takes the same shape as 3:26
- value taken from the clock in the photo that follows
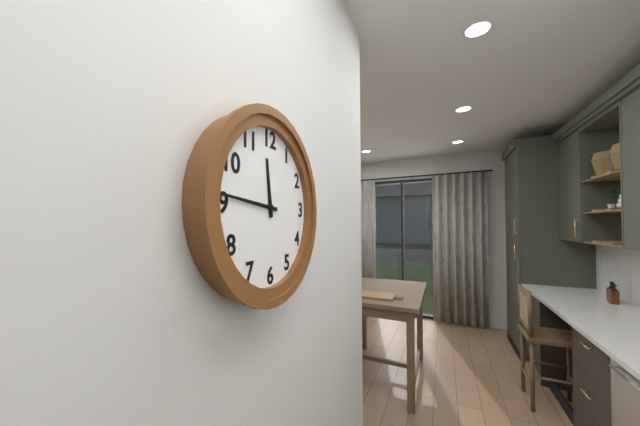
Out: 11:46
